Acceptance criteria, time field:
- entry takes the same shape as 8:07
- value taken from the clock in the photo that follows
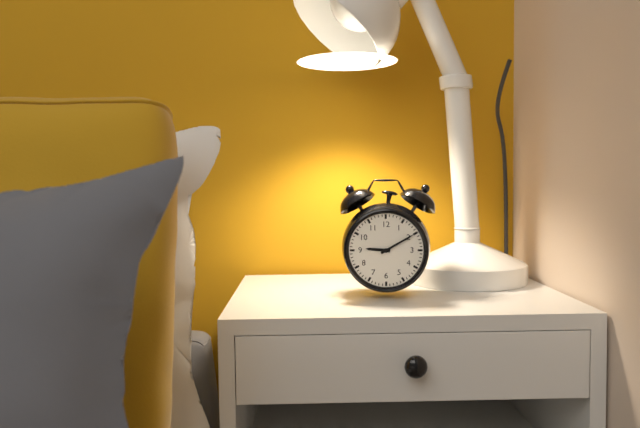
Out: 9:10
